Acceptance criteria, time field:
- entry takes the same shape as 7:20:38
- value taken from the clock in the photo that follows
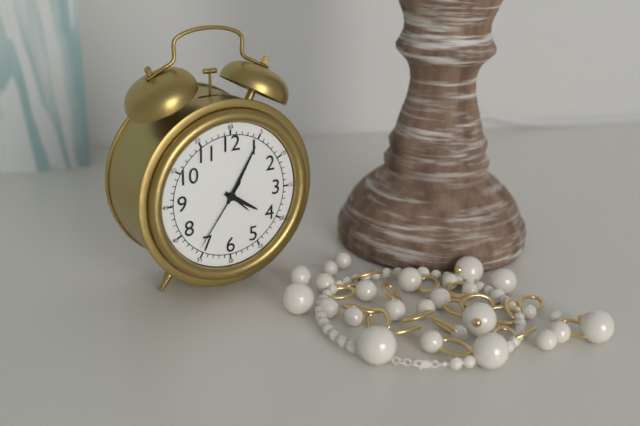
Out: 4:05:36
